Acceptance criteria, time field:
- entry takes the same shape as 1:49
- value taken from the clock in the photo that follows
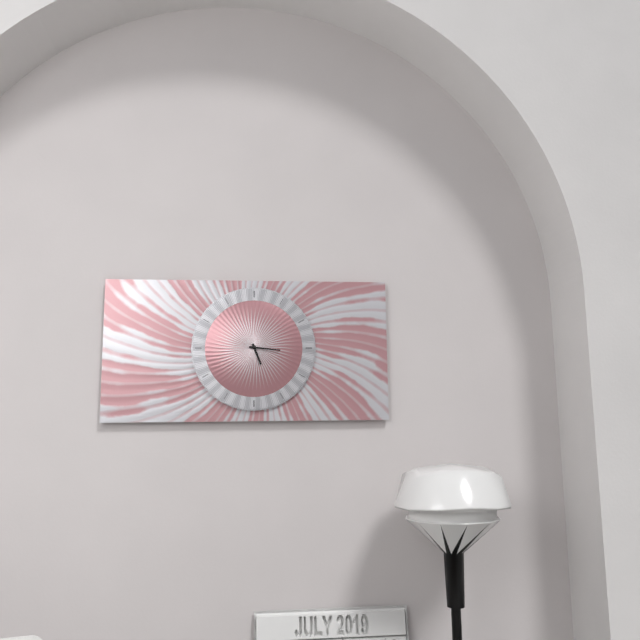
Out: 5:16
